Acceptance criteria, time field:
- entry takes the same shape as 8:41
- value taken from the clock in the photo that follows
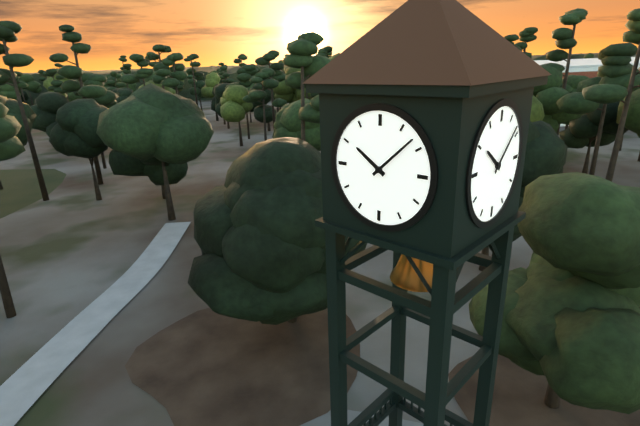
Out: 10:08
